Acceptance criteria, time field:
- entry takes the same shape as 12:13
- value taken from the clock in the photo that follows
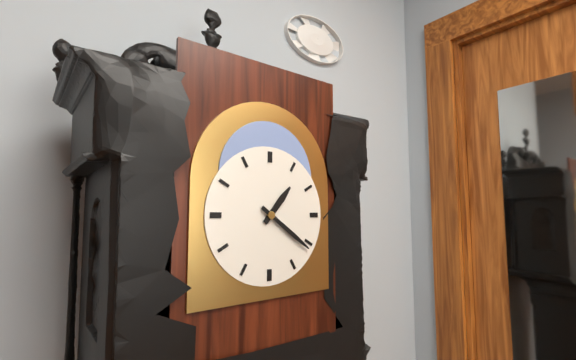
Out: 1:21
